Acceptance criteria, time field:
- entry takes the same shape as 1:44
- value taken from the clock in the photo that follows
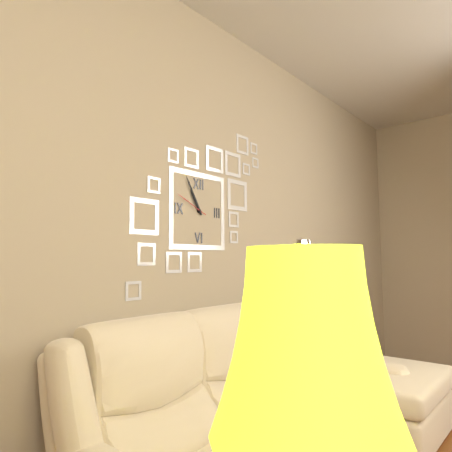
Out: 10:55
